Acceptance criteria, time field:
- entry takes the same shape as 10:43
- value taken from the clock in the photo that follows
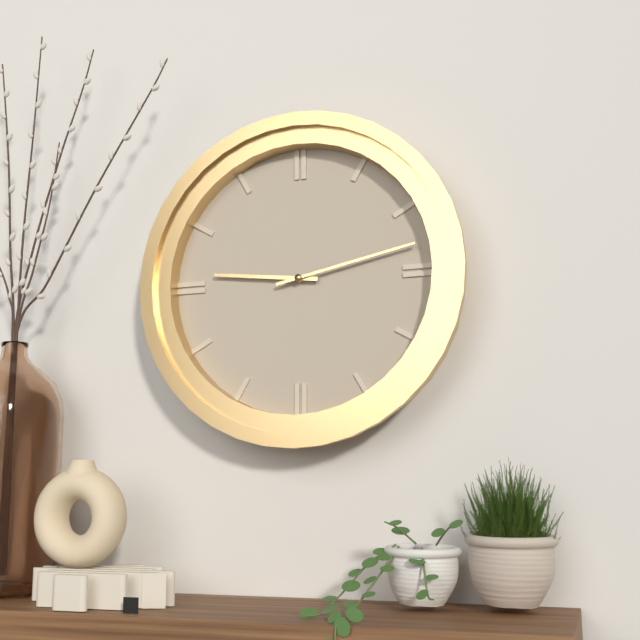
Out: 9:13
